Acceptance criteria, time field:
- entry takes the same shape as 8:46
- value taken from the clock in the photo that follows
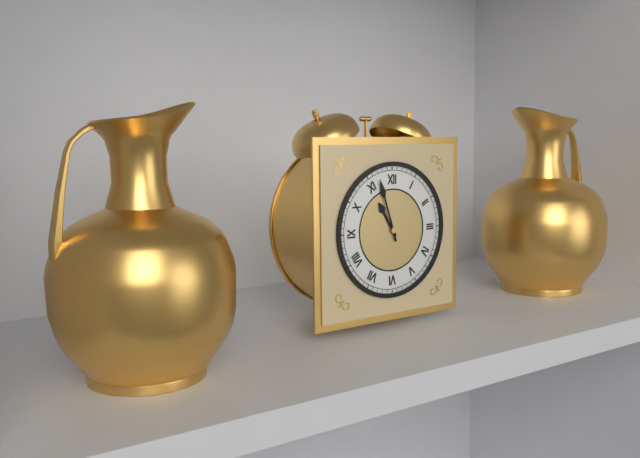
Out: 10:57
